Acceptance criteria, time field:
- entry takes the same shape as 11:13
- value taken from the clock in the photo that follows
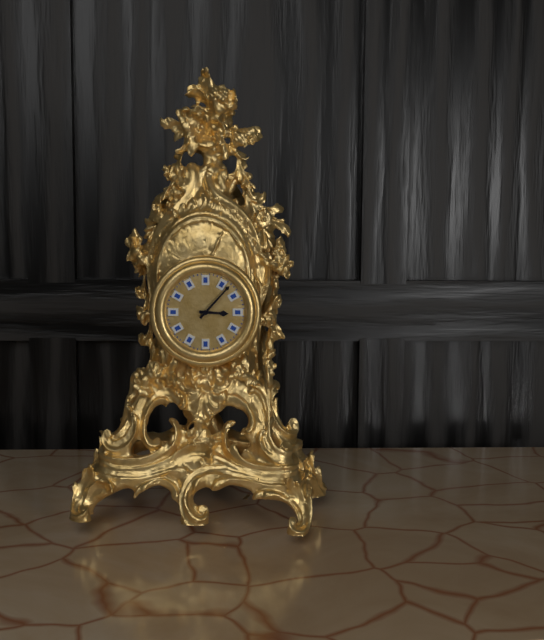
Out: 3:07
